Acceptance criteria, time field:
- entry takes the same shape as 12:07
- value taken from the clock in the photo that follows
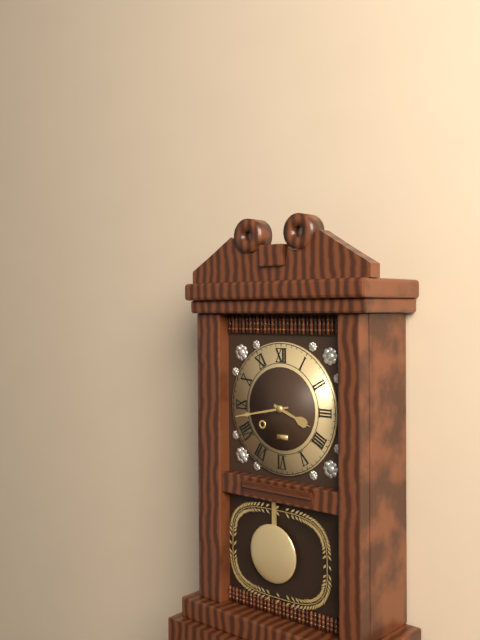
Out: 3:43
